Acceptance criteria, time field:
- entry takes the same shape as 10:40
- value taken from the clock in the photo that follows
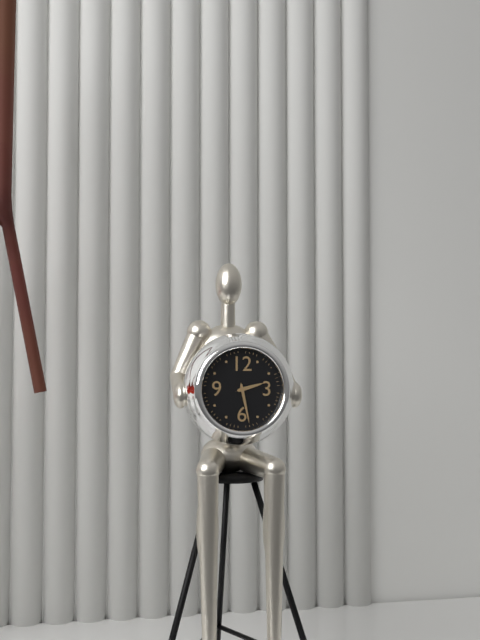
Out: 2:28
